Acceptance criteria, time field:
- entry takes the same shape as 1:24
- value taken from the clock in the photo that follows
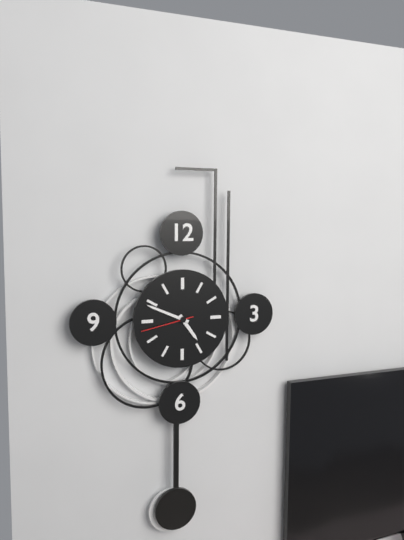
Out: 4:49
